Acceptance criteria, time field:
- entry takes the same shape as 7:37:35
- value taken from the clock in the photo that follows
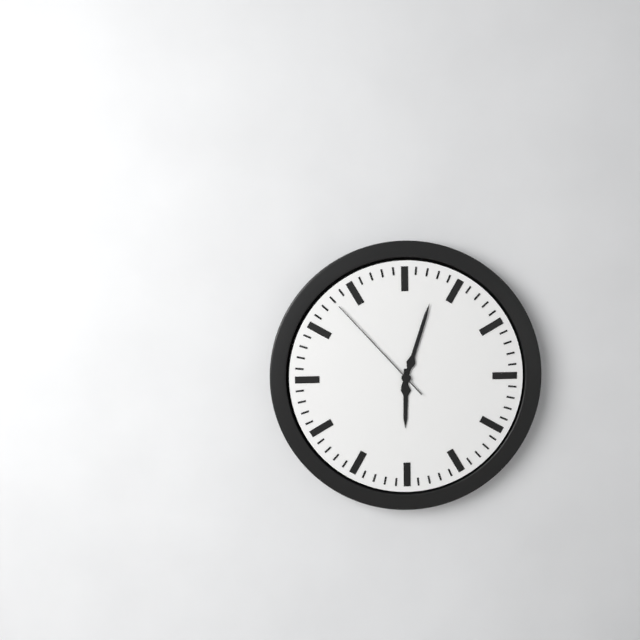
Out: 6:03:53
